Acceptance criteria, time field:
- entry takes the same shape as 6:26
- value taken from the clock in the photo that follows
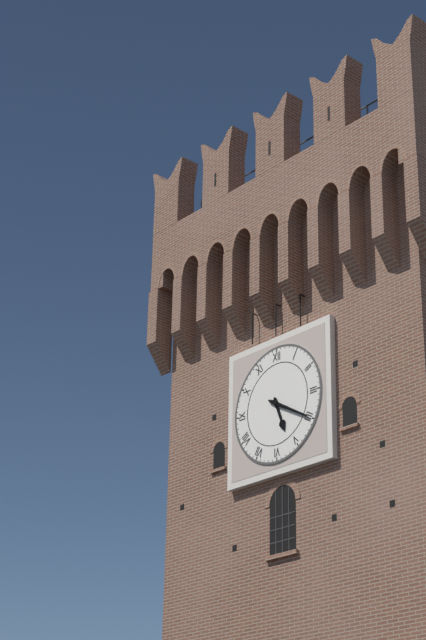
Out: 5:20
